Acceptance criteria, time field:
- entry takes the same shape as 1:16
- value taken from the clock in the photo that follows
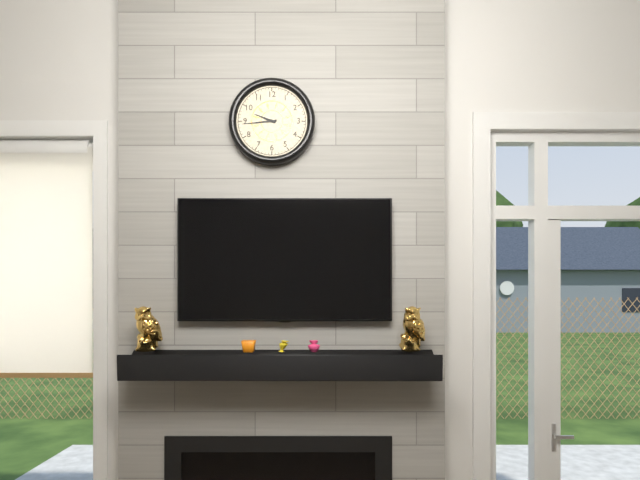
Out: 9:44
